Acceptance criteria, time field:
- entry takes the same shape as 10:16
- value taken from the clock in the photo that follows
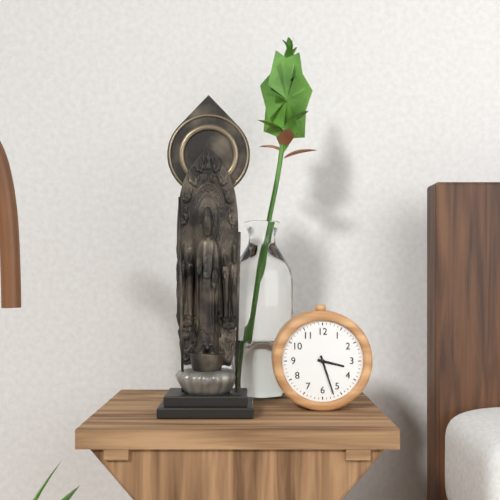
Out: 3:27
